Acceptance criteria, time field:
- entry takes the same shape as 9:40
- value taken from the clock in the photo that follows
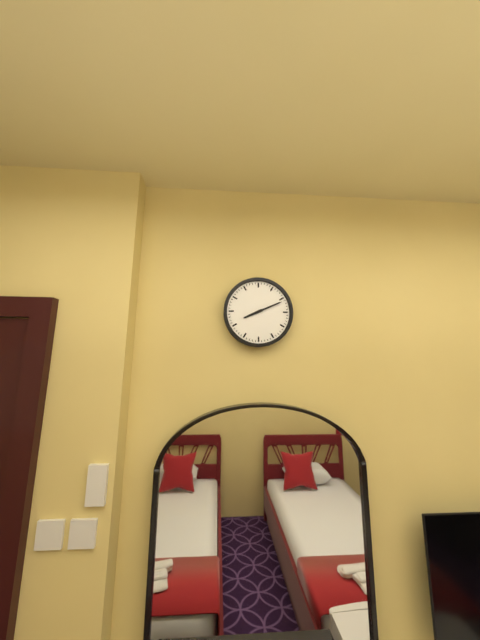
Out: 8:11
